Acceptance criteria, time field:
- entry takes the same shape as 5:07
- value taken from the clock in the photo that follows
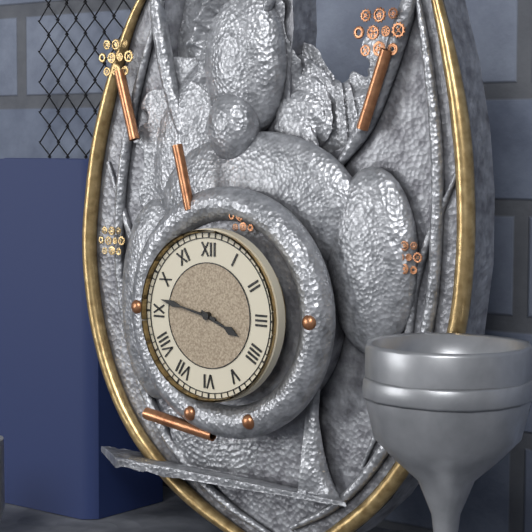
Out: 3:47
